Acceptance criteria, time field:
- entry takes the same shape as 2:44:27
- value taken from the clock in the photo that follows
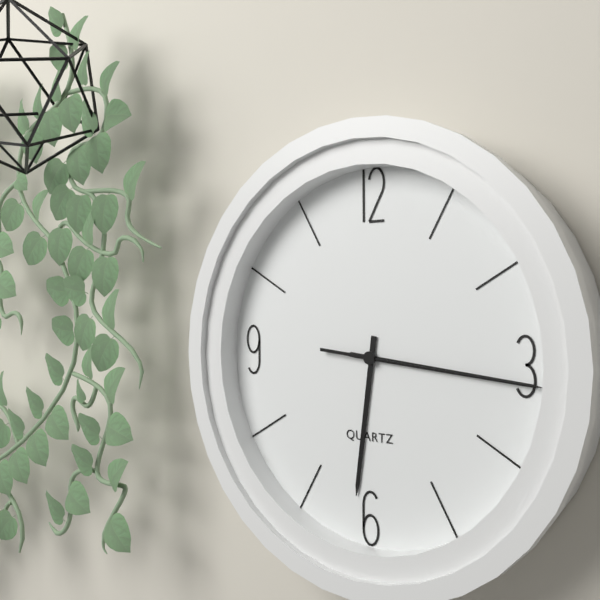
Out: 6:16:16
